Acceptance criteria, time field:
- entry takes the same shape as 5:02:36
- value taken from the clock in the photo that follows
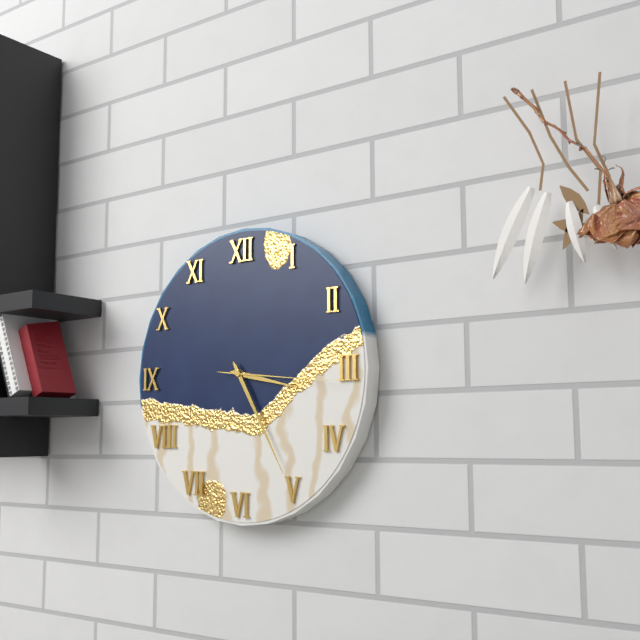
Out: 3:25:16
